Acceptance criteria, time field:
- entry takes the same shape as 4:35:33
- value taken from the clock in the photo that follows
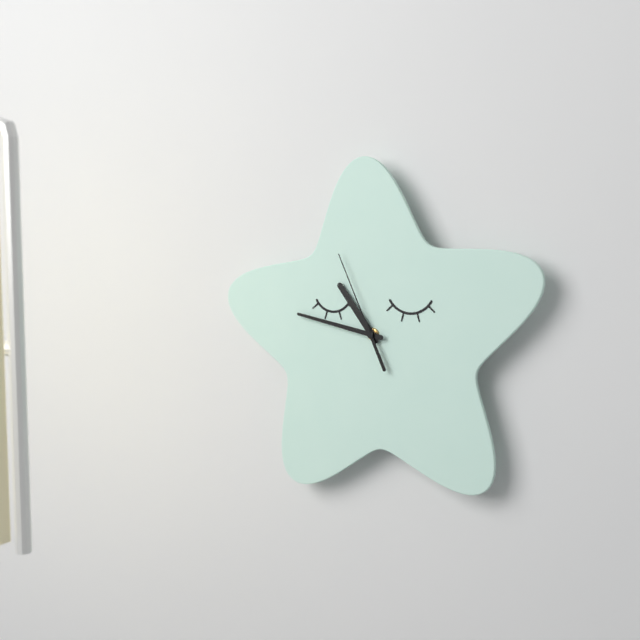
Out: 10:47:56
